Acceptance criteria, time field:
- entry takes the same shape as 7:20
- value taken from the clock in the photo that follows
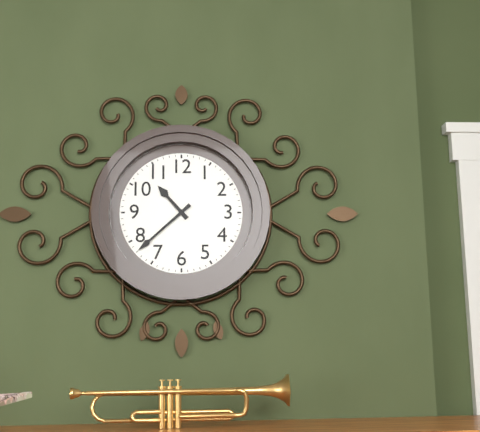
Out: 10:38
